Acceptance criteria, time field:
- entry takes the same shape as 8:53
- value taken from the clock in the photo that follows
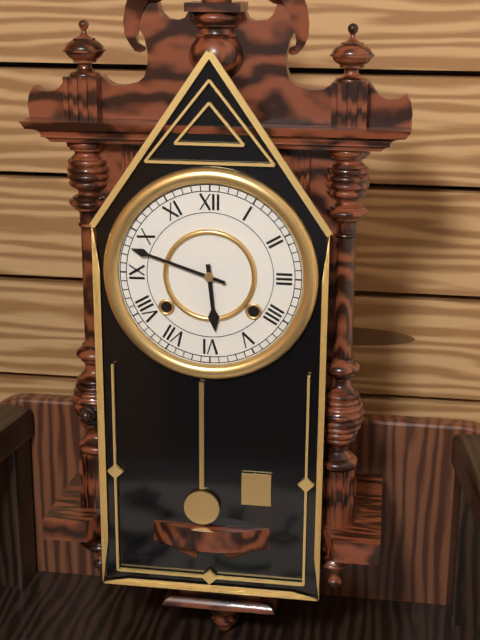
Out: 5:48
